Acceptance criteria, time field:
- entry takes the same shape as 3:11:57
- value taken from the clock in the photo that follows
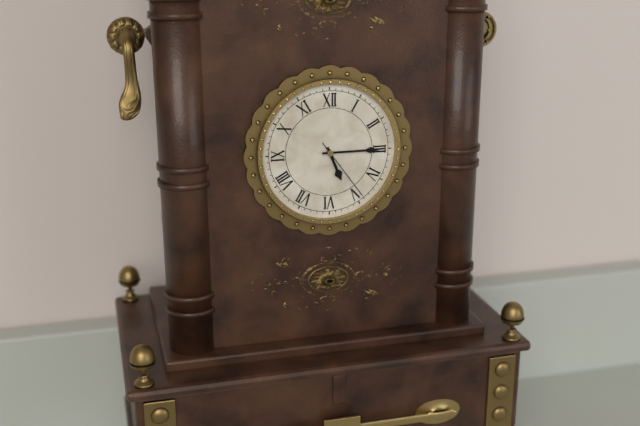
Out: 5:15:24
